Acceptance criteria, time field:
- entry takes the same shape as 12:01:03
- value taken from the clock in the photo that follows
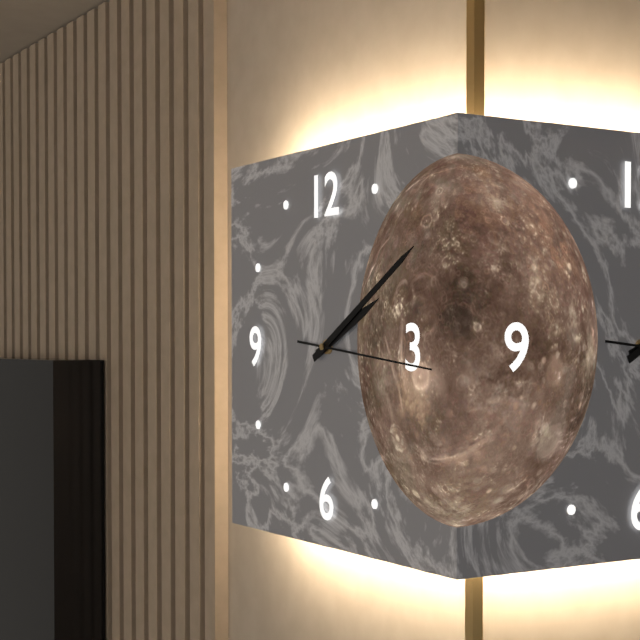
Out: 2:10:16
